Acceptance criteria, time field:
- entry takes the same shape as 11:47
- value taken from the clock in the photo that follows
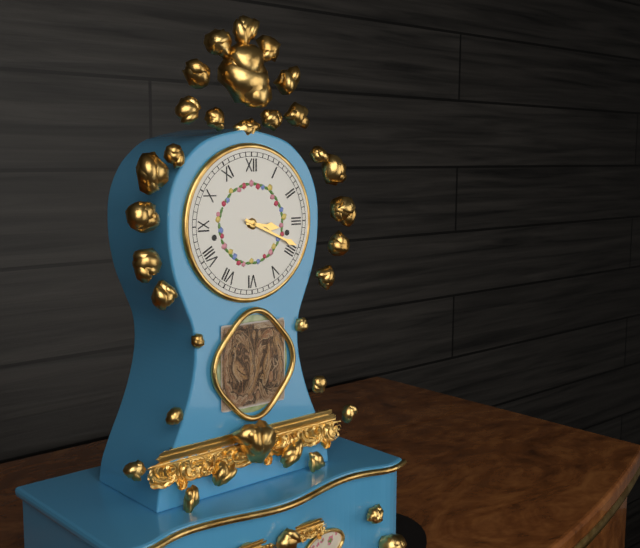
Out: 3:19
